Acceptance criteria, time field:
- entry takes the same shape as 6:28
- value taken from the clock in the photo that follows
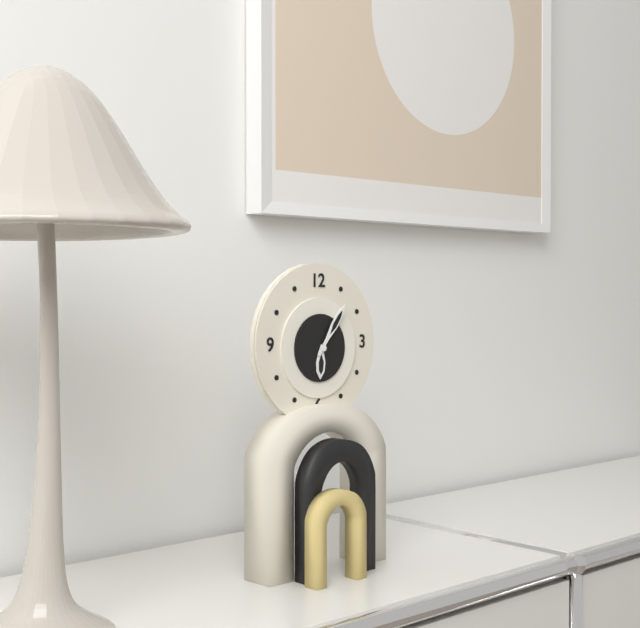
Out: 6:06
